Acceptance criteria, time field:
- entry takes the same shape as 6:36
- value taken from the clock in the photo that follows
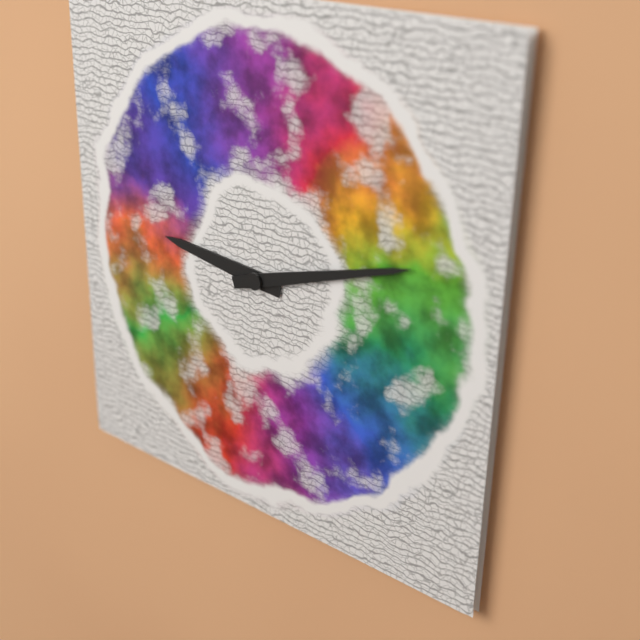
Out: 9:12
